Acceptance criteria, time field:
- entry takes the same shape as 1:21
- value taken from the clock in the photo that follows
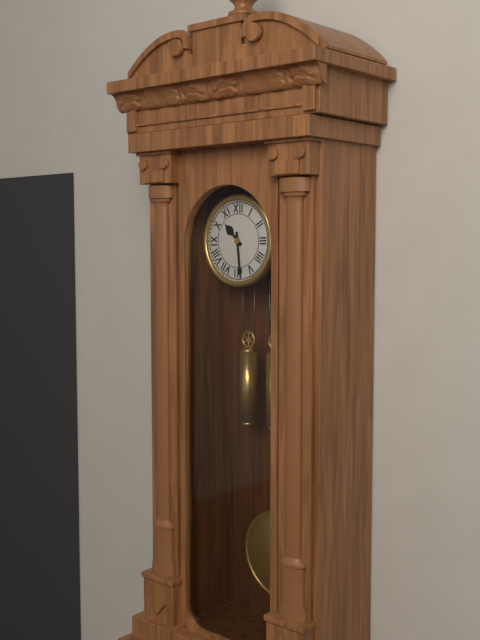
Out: 10:29
